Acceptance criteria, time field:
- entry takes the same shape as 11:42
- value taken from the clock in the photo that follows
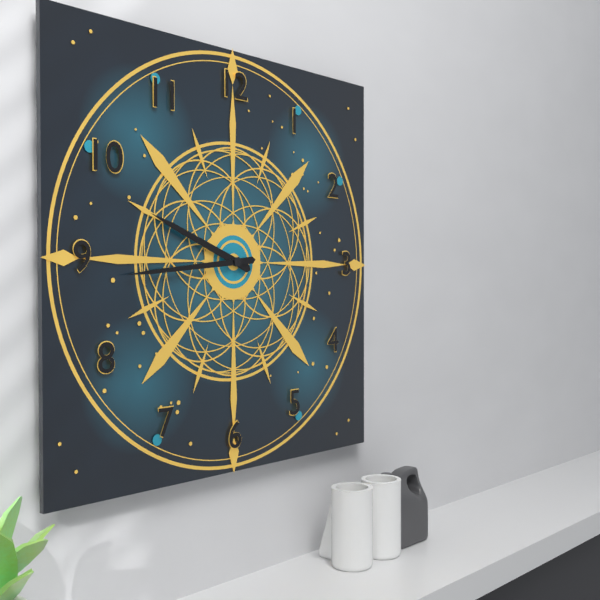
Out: 9:44
